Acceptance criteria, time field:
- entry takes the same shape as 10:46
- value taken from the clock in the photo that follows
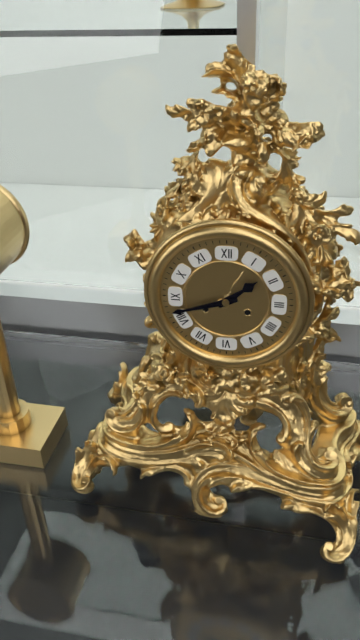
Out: 1:42
